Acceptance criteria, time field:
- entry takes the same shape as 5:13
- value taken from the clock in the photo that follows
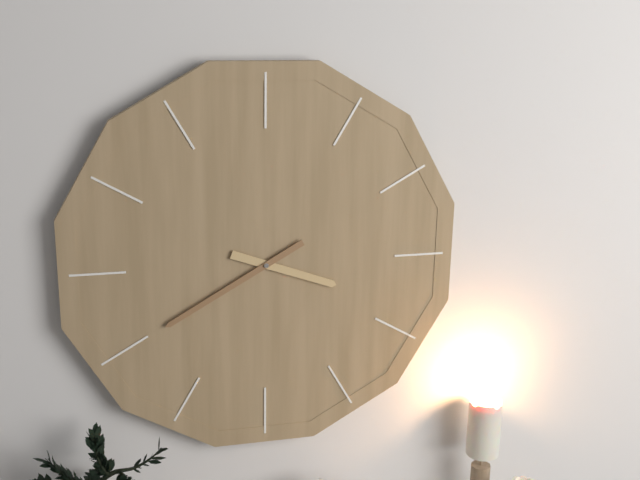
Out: 3:40
